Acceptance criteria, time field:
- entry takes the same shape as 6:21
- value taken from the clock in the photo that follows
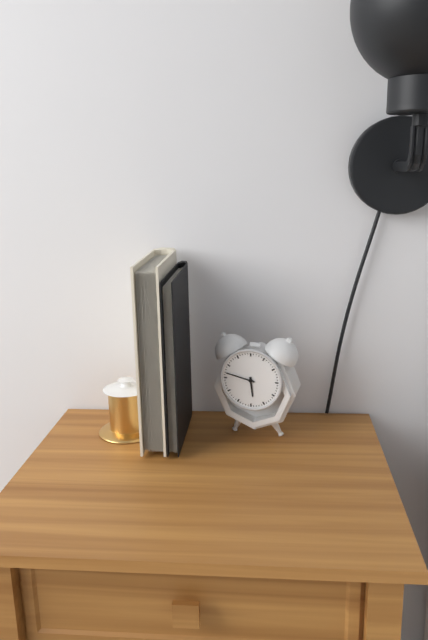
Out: 5:47
